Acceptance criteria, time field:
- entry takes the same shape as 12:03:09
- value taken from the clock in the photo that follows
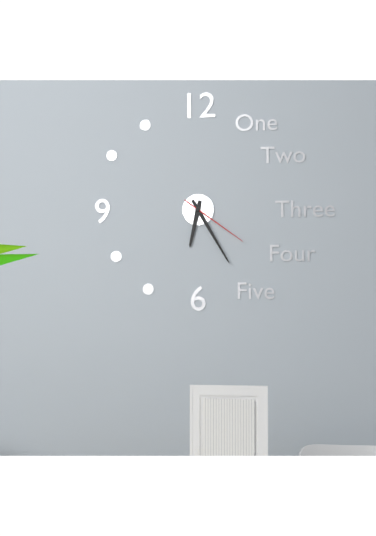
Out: 6:25:21
